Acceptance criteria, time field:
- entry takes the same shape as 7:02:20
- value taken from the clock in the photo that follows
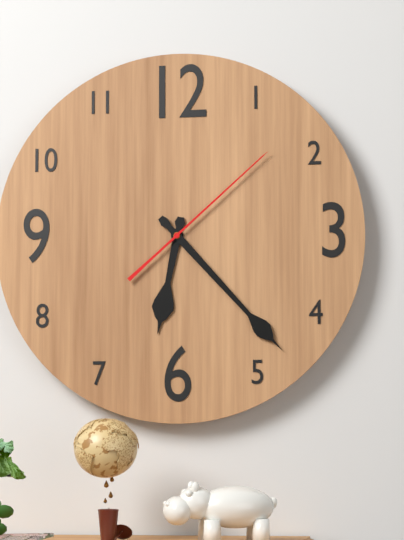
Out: 6:23:08
